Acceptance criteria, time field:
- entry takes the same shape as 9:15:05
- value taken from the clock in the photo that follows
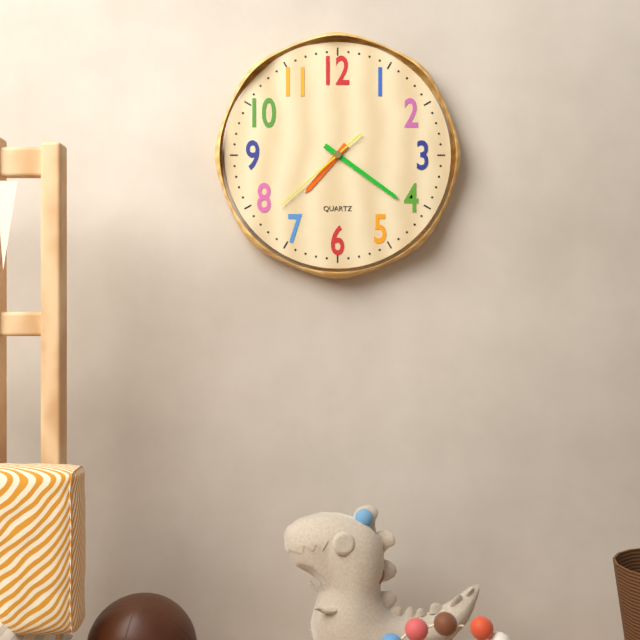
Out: 7:21:38
